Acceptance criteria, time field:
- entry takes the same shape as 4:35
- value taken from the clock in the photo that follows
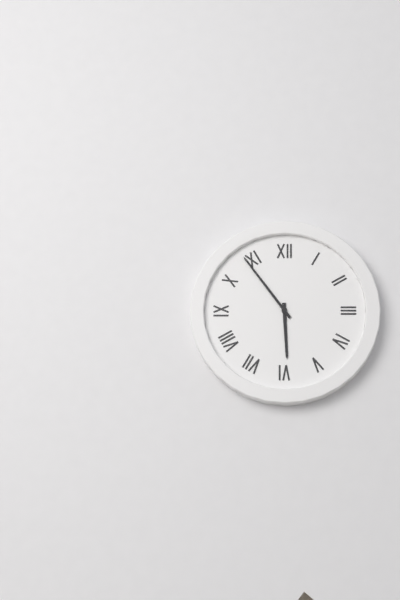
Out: 5:54
